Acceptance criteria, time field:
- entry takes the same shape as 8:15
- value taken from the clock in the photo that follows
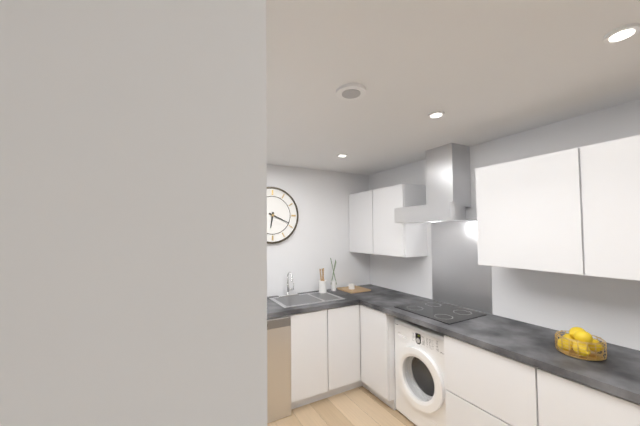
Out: 6:19
